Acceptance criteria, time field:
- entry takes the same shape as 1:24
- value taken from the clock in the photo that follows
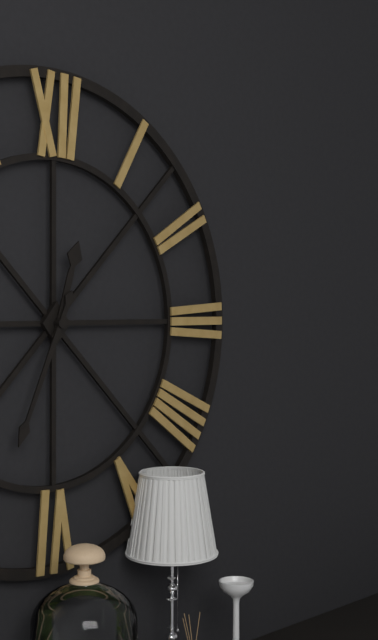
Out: 12:34
